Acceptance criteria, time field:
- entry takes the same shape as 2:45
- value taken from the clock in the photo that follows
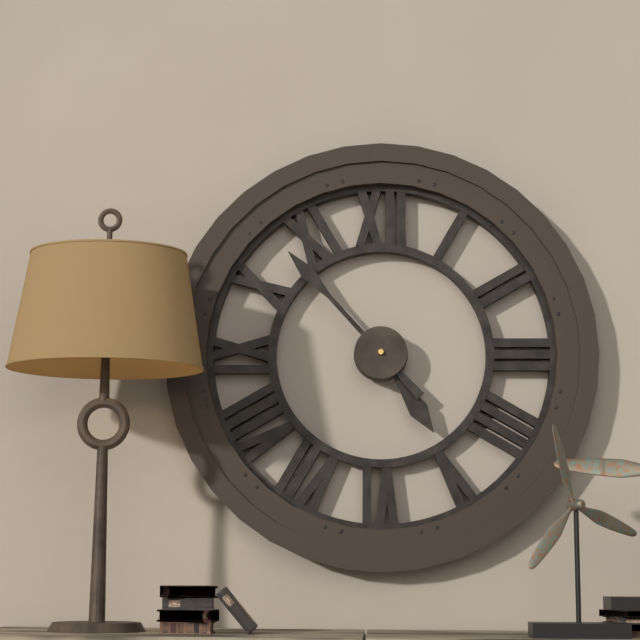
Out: 4:53
